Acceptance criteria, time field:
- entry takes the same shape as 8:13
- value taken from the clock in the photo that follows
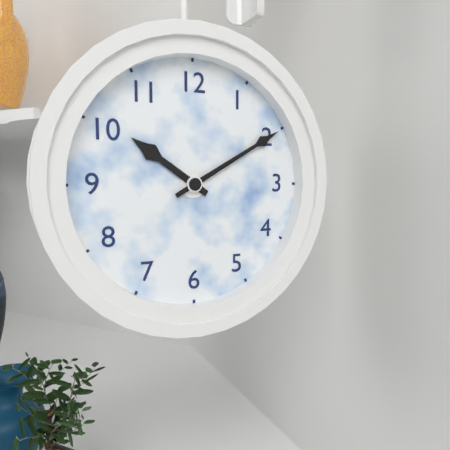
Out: 10:10
